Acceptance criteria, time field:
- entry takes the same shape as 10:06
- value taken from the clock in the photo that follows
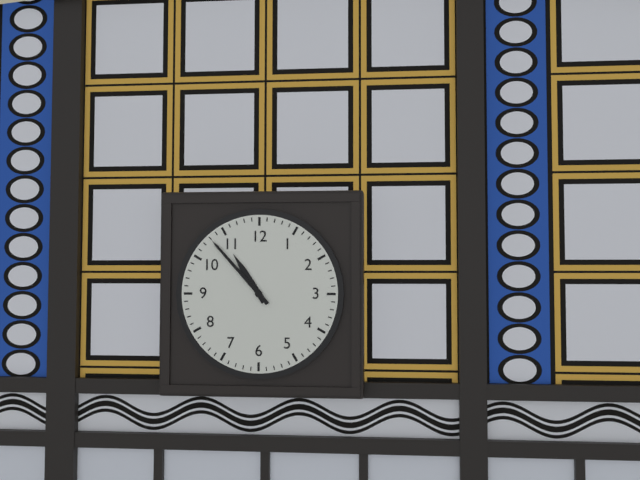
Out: 10:53
